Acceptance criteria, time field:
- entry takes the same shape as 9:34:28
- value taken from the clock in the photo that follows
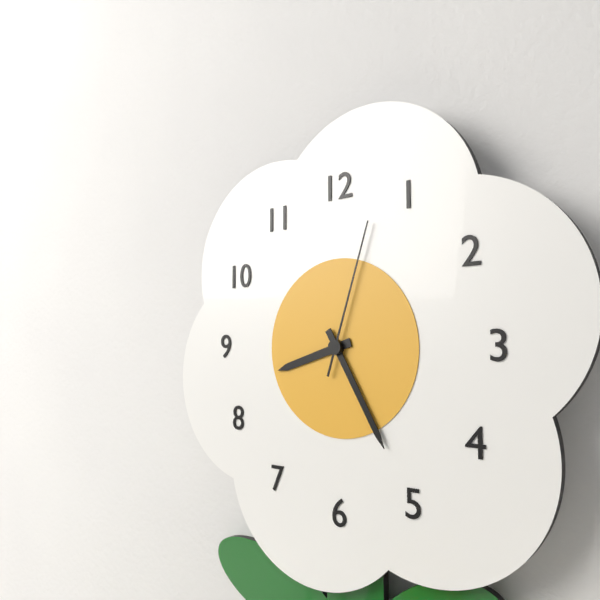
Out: 8:25:03
